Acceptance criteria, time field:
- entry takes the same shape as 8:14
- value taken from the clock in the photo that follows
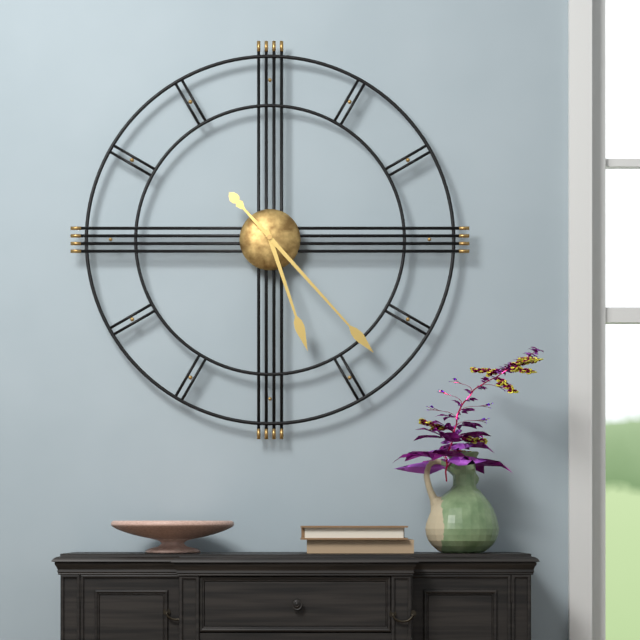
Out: 5:23
